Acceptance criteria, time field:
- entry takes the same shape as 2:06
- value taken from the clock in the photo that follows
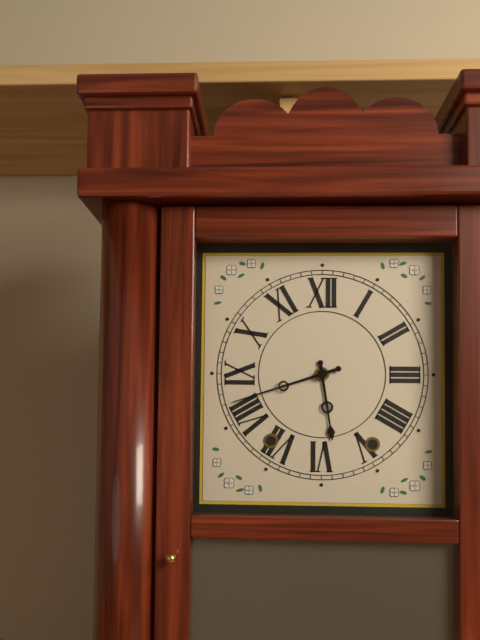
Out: 5:42
